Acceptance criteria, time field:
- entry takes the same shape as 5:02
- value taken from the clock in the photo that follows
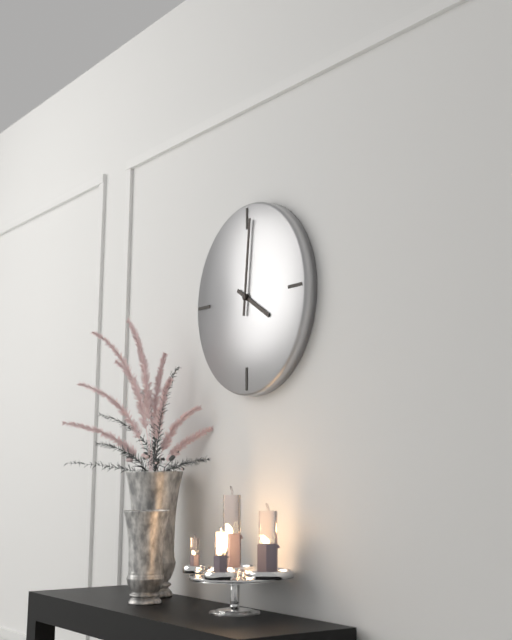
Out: 4:01
